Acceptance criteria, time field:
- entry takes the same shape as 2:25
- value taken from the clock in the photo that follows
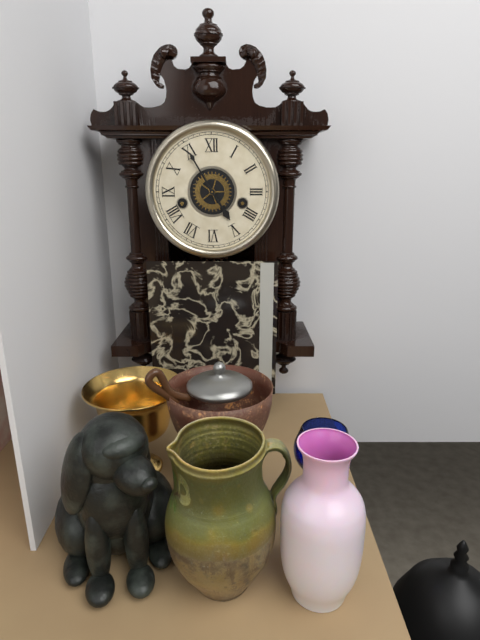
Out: 4:55
